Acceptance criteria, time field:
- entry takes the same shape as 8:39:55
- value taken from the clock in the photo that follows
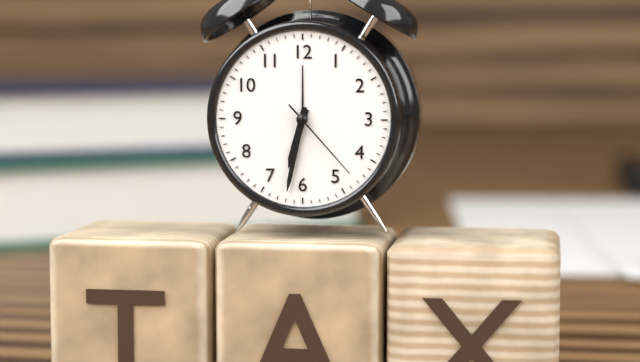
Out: 6:32:23
